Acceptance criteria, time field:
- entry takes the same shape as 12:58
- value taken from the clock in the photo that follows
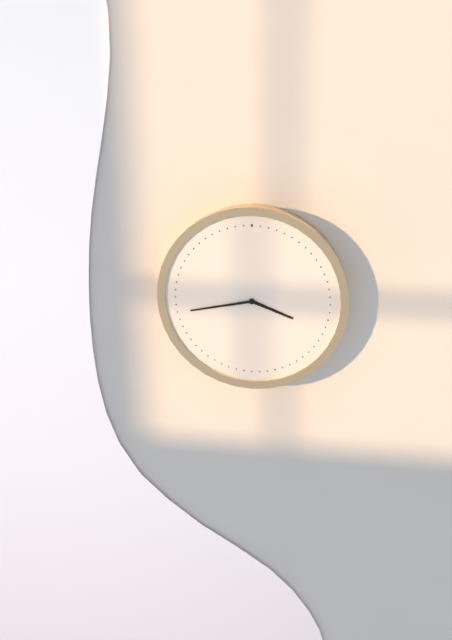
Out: 3:43
